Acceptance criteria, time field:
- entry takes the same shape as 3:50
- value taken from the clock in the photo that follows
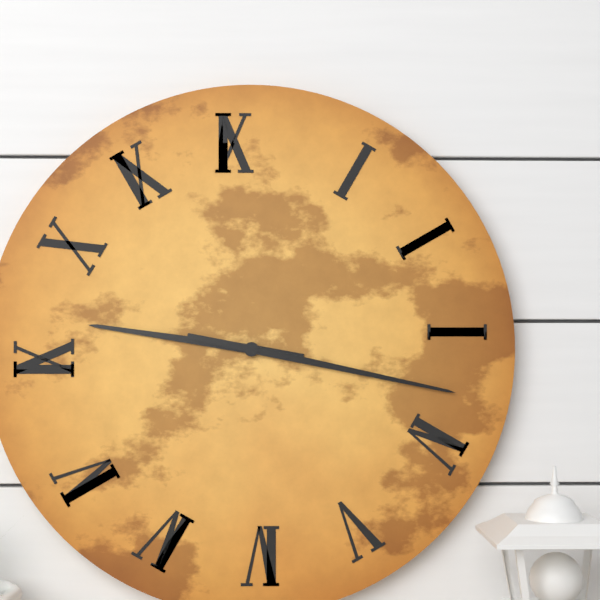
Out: 9:17
